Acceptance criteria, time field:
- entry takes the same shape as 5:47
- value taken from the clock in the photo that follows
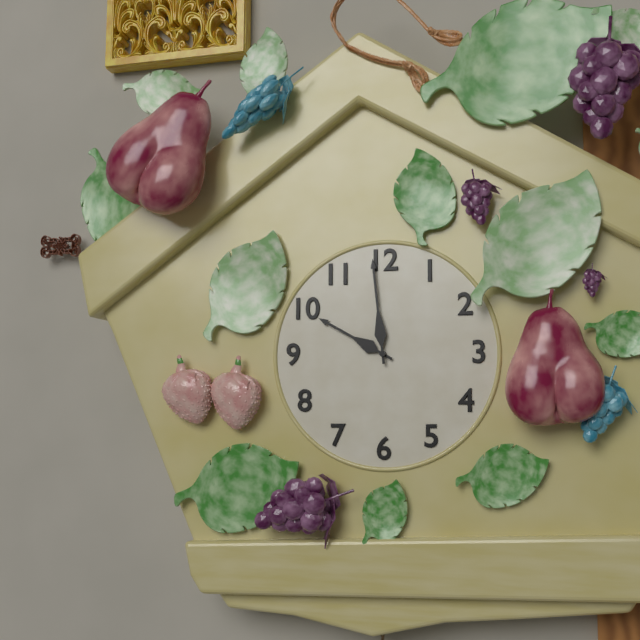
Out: 9:59
